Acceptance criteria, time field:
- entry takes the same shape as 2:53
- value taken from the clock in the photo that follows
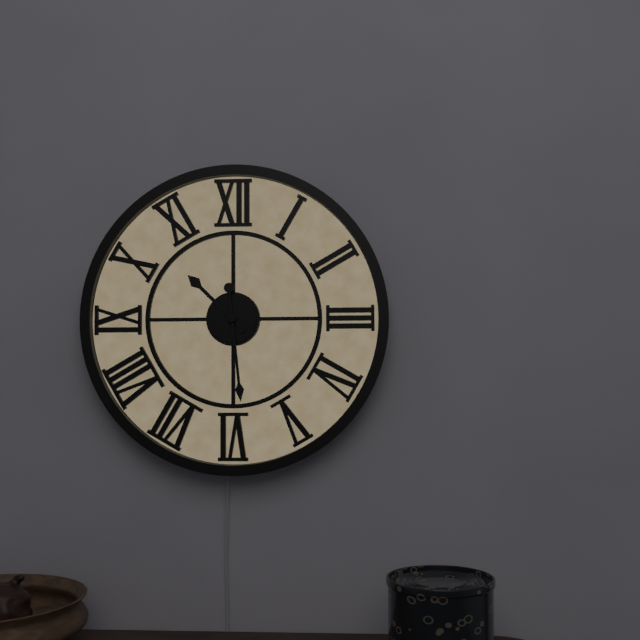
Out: 10:29
